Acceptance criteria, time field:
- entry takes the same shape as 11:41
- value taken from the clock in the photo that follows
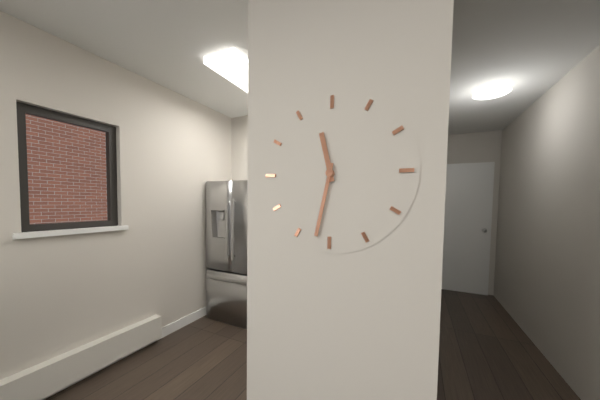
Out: 11:32
